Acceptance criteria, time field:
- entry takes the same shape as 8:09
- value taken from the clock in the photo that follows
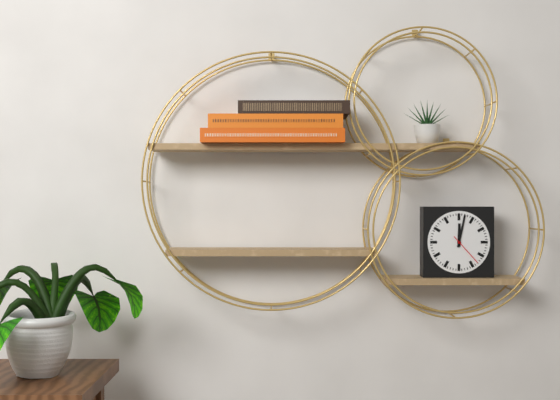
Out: 12:02
